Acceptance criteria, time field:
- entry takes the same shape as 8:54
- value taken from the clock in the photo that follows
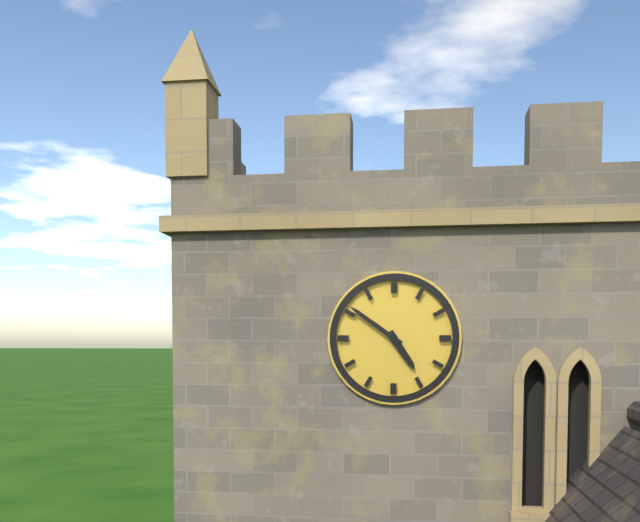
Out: 4:51
